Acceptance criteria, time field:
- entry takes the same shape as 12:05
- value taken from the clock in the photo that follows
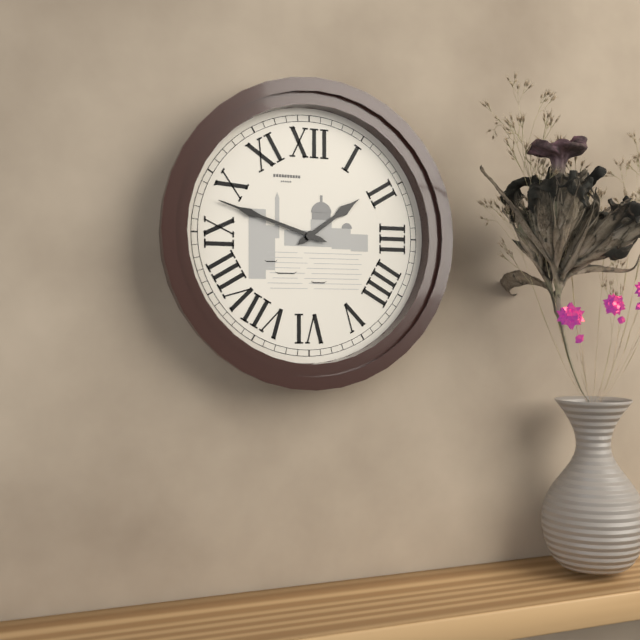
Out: 1:48
